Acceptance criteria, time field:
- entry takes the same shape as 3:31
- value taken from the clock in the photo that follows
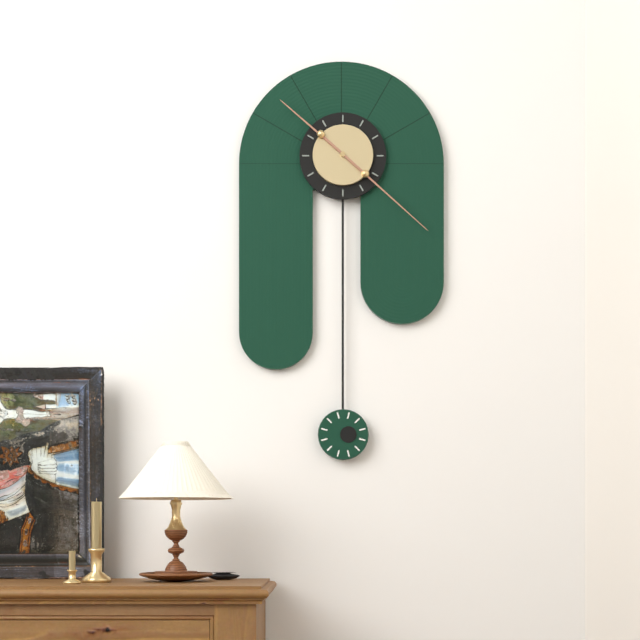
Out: 10:22
